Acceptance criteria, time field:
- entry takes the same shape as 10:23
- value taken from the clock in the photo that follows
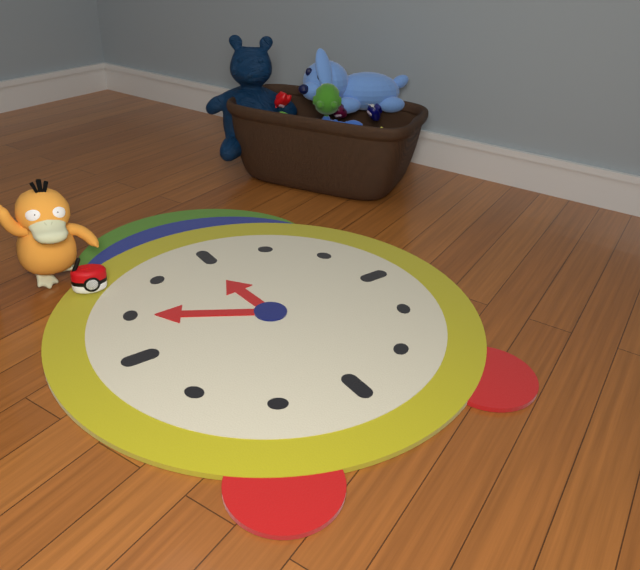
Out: 11:50
